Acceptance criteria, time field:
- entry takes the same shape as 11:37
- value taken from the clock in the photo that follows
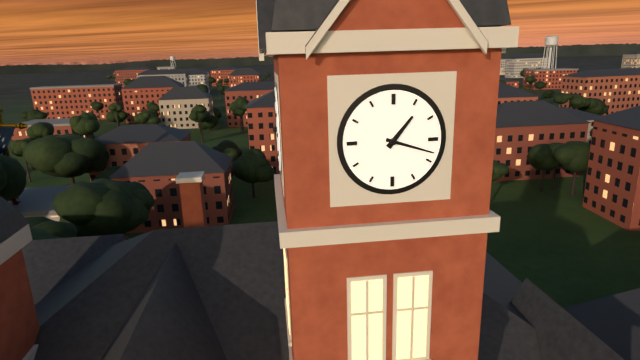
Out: 1:18
